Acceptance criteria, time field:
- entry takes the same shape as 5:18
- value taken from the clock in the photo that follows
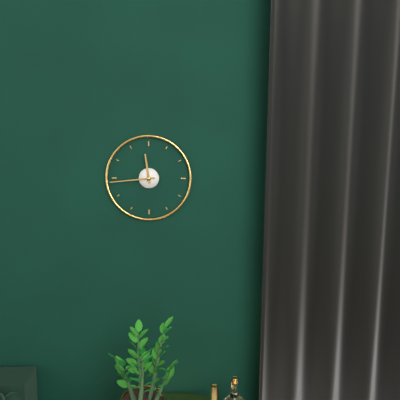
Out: 11:44
